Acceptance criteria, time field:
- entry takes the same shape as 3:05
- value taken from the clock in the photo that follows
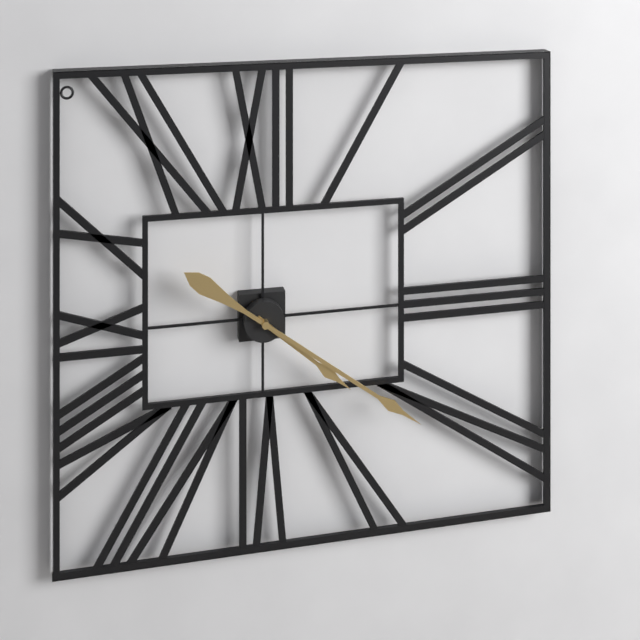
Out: 4:21
